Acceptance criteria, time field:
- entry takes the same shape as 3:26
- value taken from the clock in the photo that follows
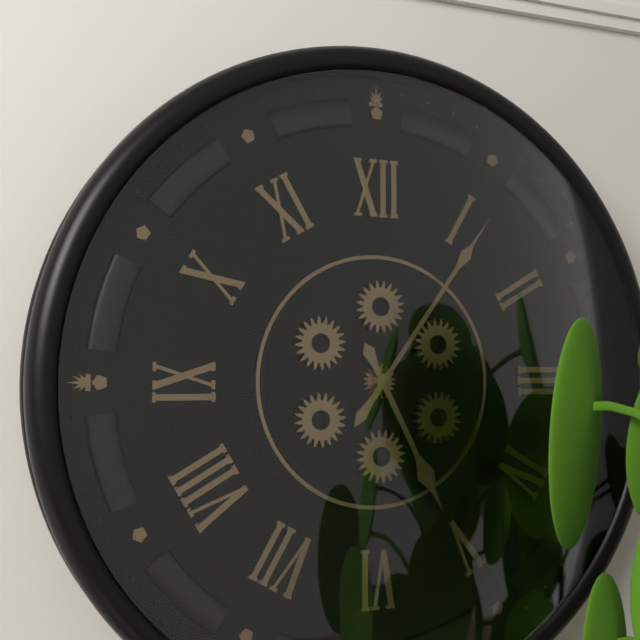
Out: 5:06
